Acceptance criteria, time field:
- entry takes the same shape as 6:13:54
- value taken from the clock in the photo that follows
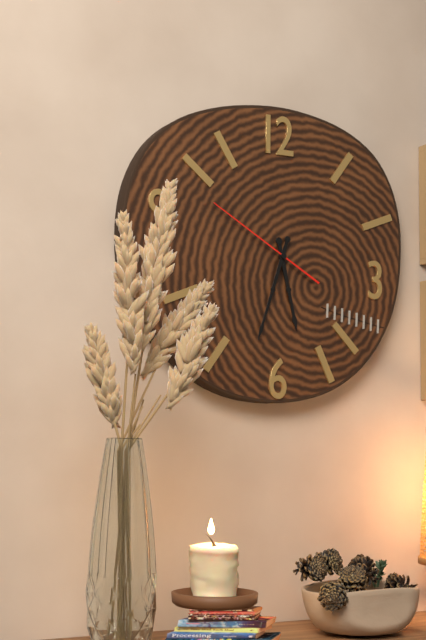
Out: 5:33:50
